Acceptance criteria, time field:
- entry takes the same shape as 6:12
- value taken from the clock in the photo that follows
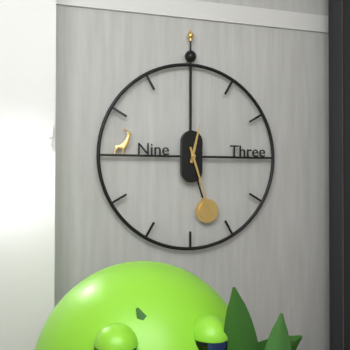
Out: 12:27
